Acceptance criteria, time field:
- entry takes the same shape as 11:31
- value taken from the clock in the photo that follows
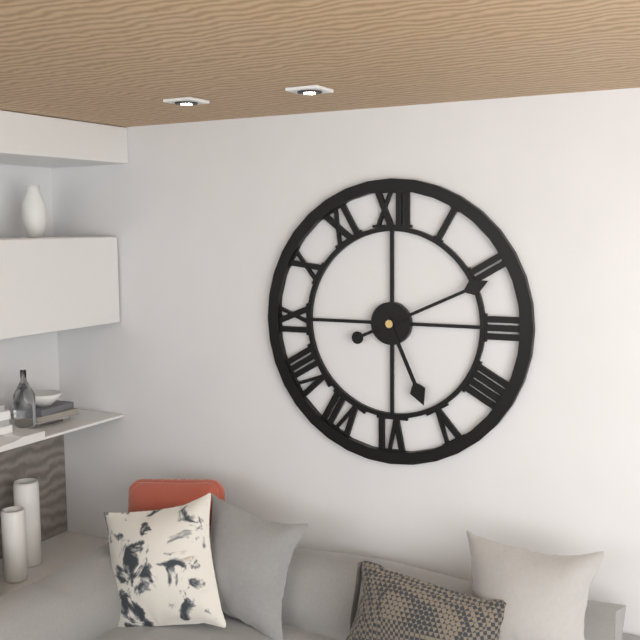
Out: 5:11
